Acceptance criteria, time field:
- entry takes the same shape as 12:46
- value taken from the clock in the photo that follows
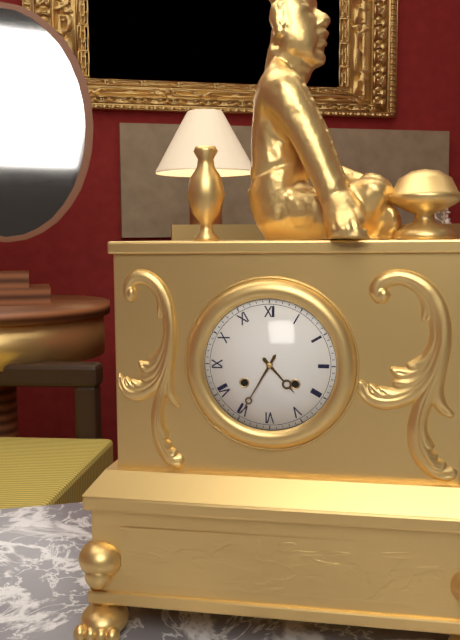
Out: 4:35
